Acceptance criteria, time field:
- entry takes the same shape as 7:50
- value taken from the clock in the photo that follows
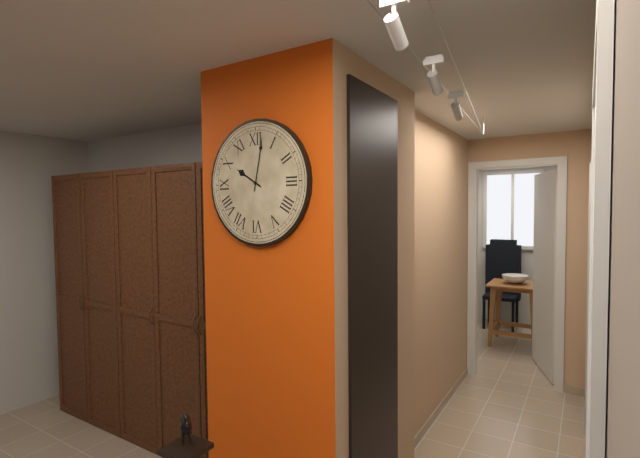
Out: 10:02
